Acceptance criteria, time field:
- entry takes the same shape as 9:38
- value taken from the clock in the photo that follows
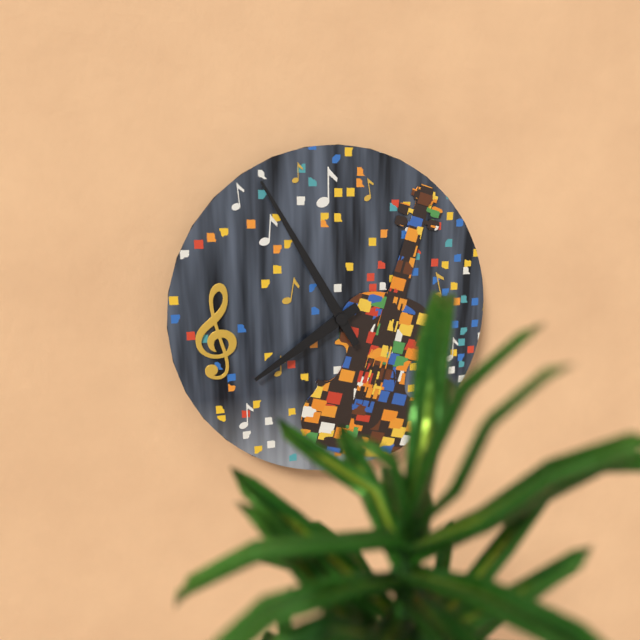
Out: 7:55
